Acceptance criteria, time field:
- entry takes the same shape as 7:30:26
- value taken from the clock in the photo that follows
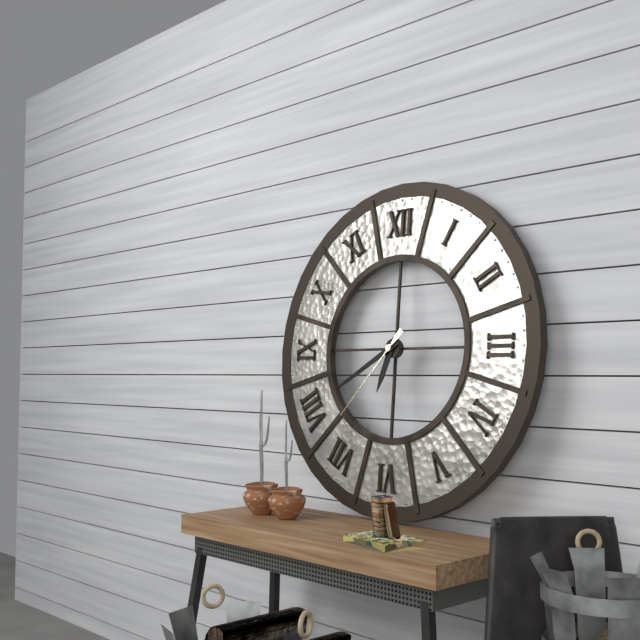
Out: 6:40:37
